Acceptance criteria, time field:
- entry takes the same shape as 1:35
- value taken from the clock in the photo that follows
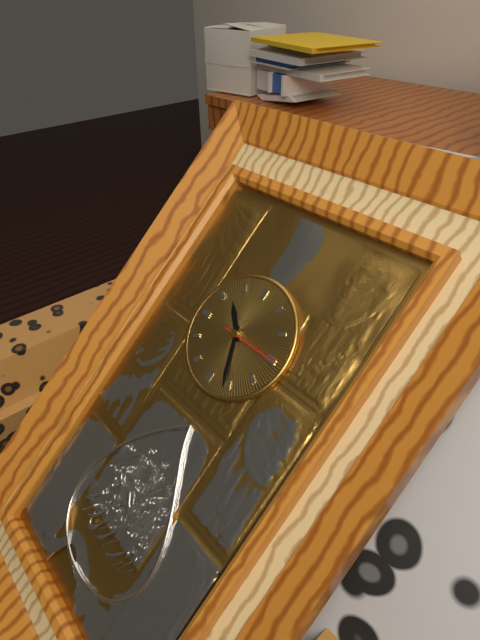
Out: 10:26
